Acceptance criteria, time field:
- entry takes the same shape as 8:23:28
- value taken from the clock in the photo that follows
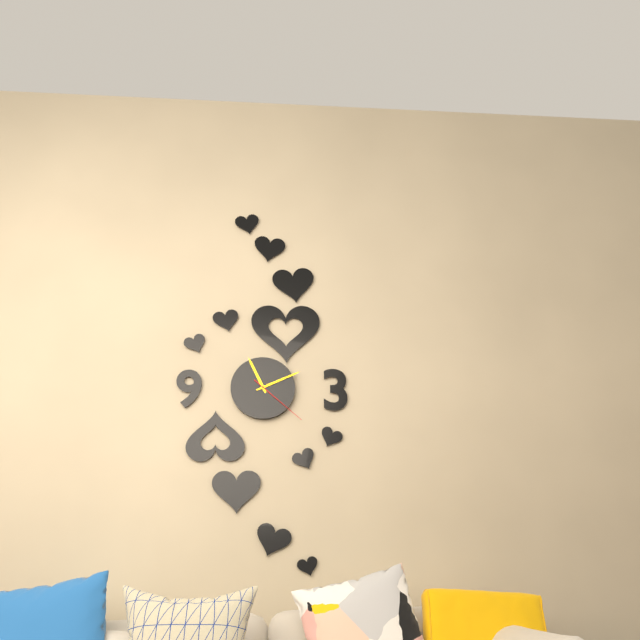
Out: 11:11:22
